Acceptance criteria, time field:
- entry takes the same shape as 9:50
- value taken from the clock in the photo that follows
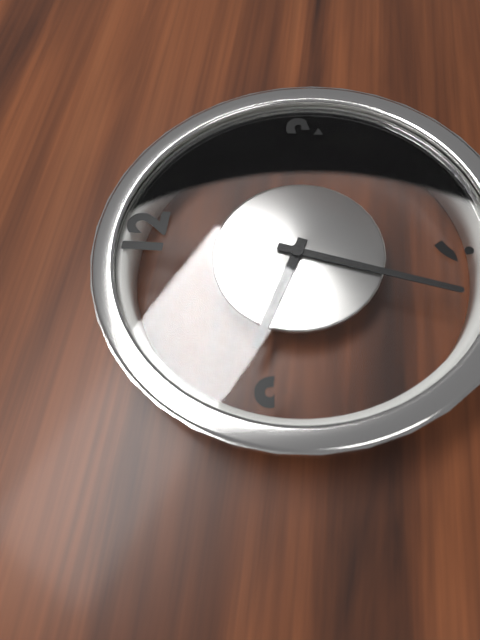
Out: 9:32
